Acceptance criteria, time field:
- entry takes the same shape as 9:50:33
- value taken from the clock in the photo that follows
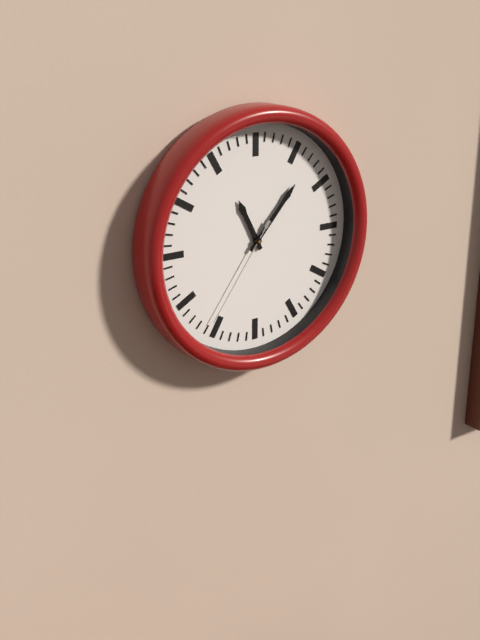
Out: 11:07:36
